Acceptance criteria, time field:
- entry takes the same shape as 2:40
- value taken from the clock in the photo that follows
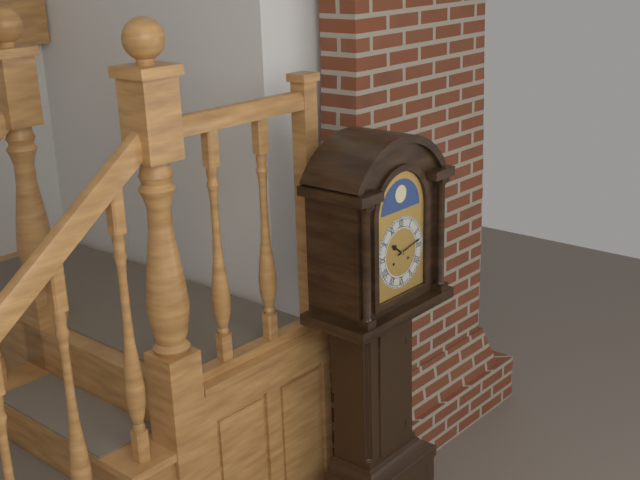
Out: 10:13
